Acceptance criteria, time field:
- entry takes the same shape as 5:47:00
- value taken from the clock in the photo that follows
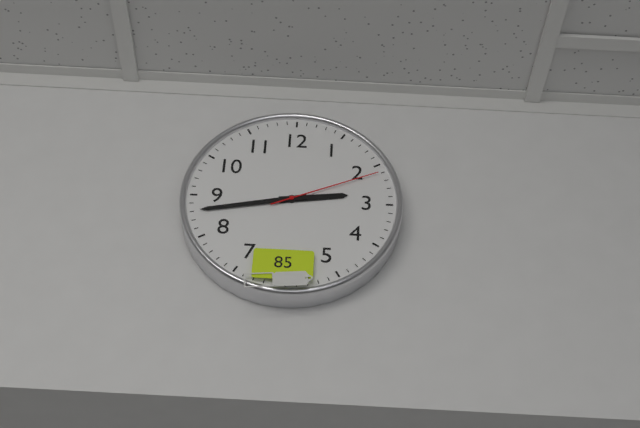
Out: 2:43:11
